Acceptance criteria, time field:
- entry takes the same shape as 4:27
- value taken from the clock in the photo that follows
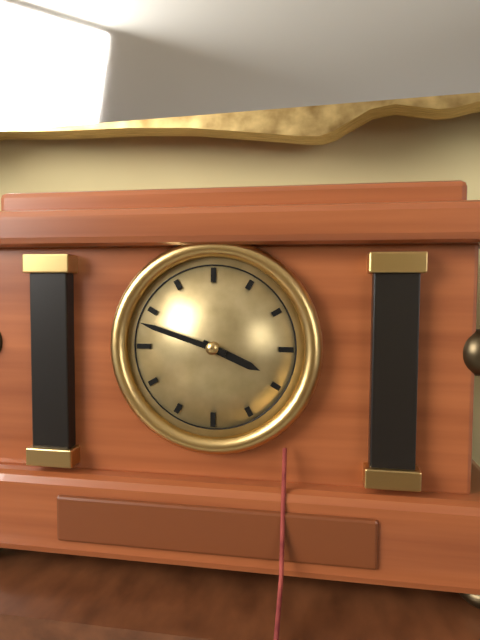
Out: 3:48
